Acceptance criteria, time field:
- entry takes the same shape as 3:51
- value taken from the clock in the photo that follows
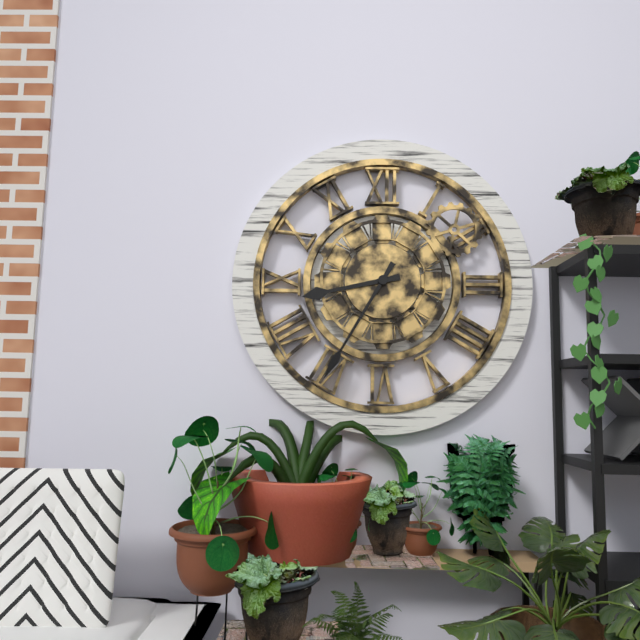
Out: 8:35
